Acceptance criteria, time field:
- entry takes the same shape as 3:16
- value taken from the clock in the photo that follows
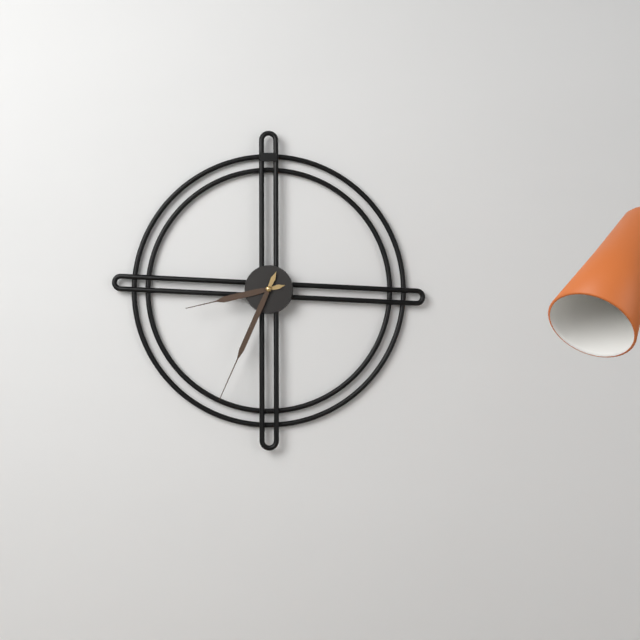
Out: 8:34
